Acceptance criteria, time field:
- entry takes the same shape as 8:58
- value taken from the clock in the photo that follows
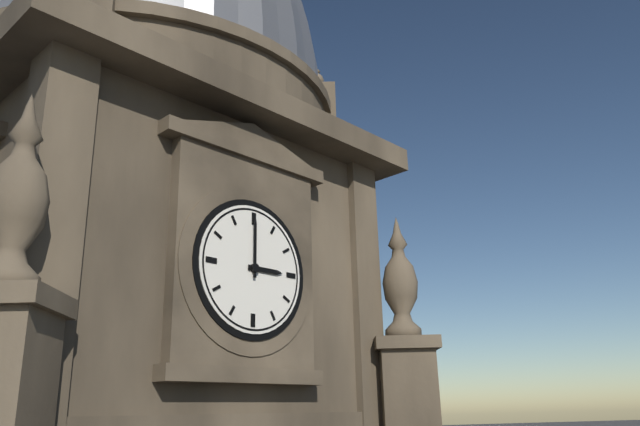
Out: 3:00
